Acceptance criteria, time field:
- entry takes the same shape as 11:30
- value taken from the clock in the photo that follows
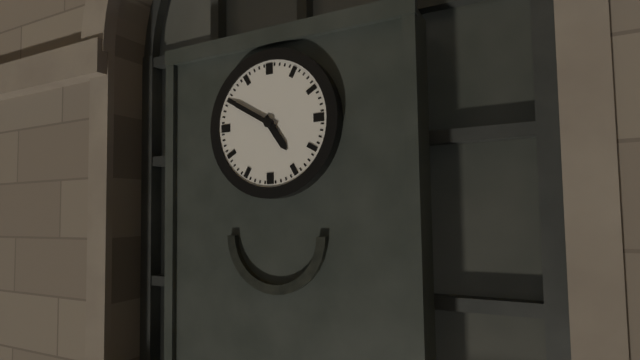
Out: 4:50
